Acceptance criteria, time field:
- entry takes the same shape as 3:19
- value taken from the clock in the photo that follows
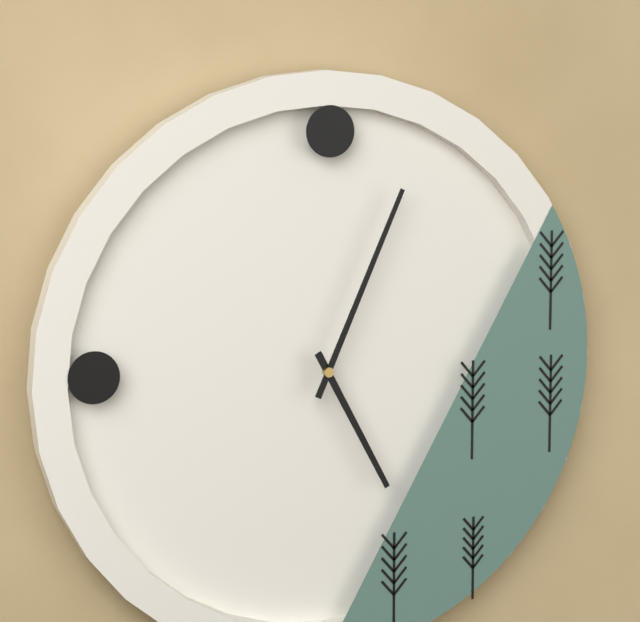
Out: 5:04
